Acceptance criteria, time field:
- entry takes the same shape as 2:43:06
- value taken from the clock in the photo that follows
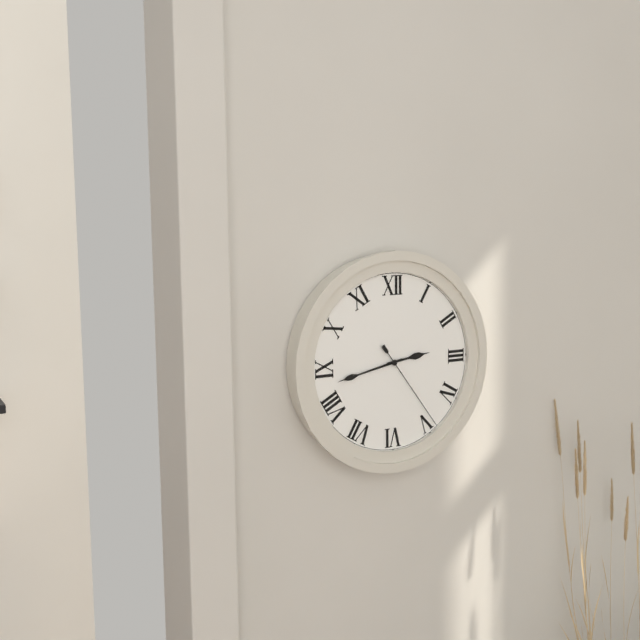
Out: 2:43:24
